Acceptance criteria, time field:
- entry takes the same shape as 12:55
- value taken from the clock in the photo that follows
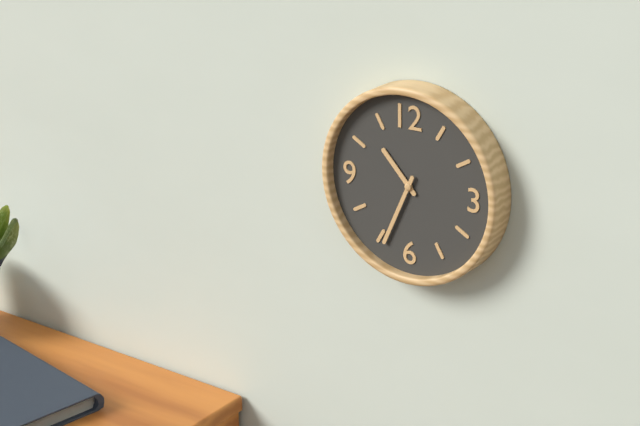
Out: 10:34
